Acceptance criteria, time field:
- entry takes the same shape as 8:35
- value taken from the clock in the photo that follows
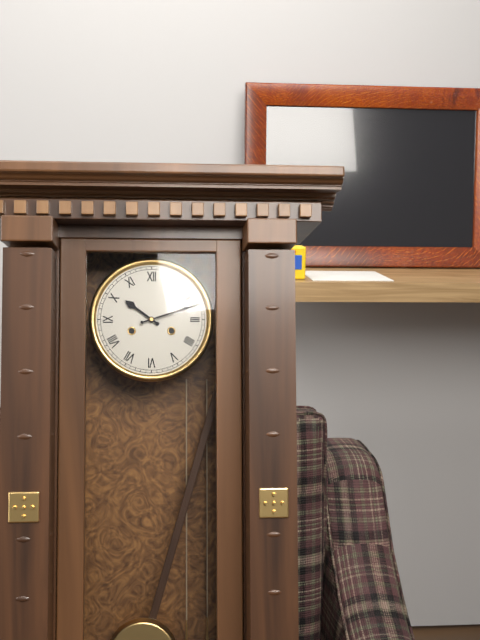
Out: 10:12
